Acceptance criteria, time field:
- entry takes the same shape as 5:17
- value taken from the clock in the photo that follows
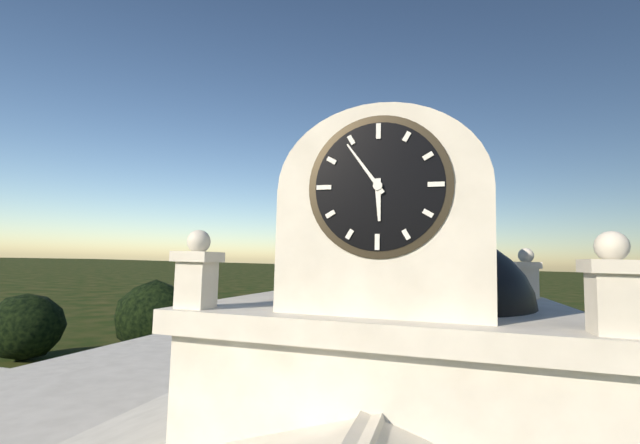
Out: 5:54
